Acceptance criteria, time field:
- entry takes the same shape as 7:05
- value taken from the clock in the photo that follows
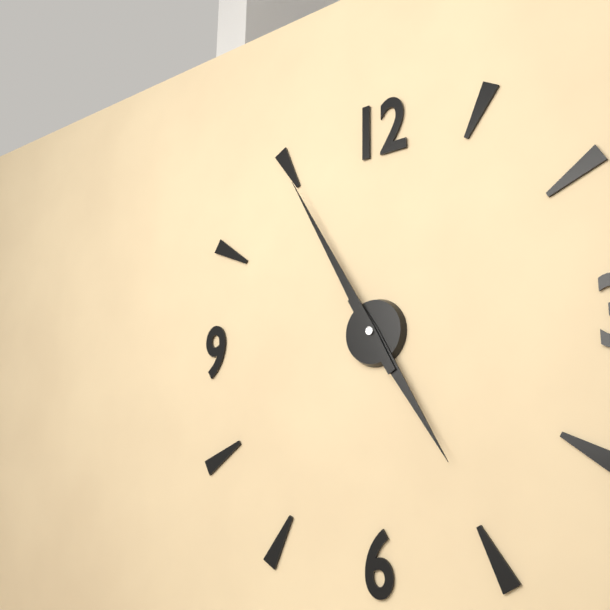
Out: 4:55
